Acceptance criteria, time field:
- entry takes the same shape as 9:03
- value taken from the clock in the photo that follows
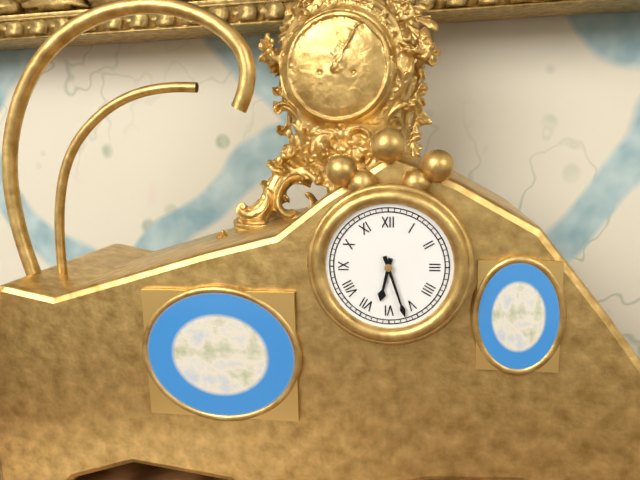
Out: 6:27
